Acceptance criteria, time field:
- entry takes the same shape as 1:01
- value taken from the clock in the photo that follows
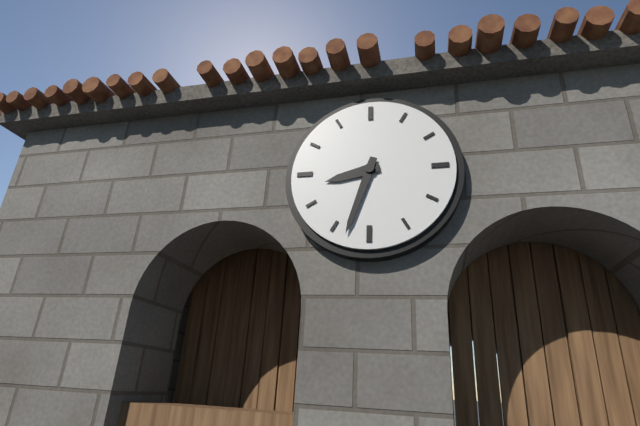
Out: 8:33
